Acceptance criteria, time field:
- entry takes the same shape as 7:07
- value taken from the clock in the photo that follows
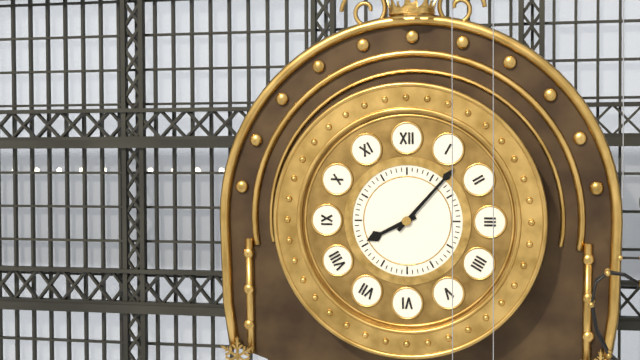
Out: 8:07
